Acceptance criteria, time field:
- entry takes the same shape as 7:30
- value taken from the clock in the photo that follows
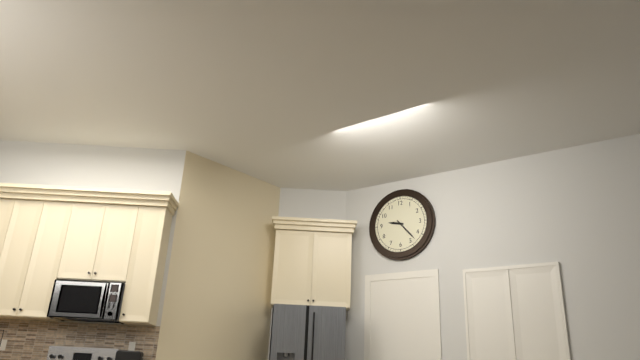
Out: 9:23
